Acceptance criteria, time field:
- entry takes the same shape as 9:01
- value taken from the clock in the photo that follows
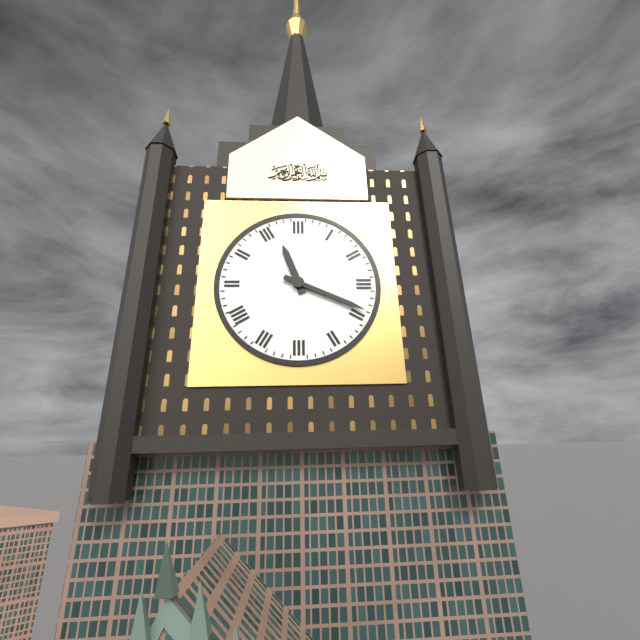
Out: 11:19
